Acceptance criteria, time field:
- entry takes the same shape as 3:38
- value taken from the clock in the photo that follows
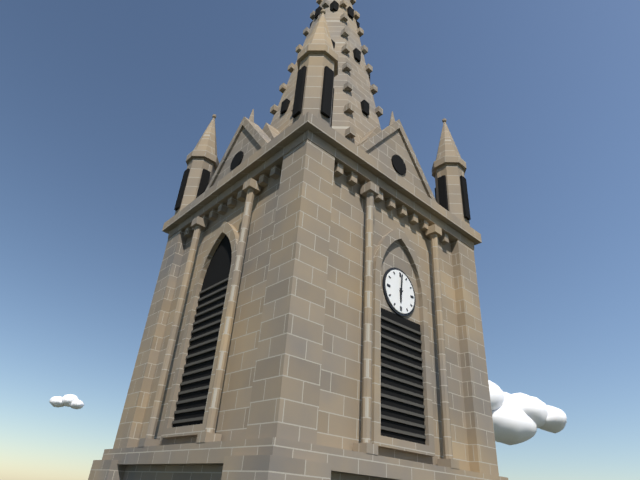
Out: 6:01
